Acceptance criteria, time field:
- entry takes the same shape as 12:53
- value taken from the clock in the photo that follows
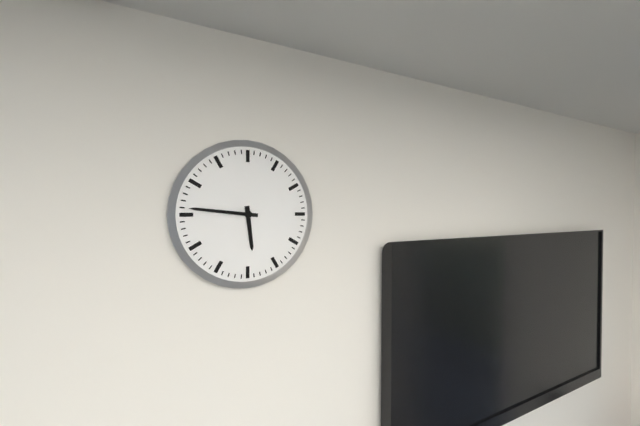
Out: 5:46
